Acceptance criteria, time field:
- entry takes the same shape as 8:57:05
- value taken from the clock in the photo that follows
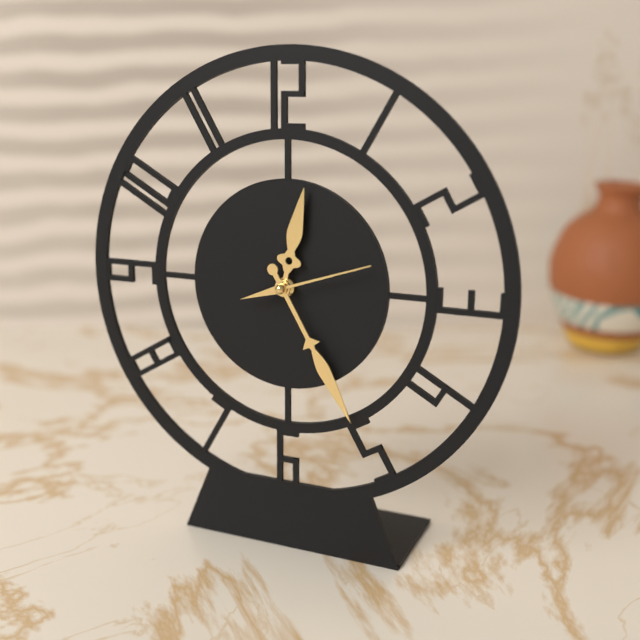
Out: 12:25:12
